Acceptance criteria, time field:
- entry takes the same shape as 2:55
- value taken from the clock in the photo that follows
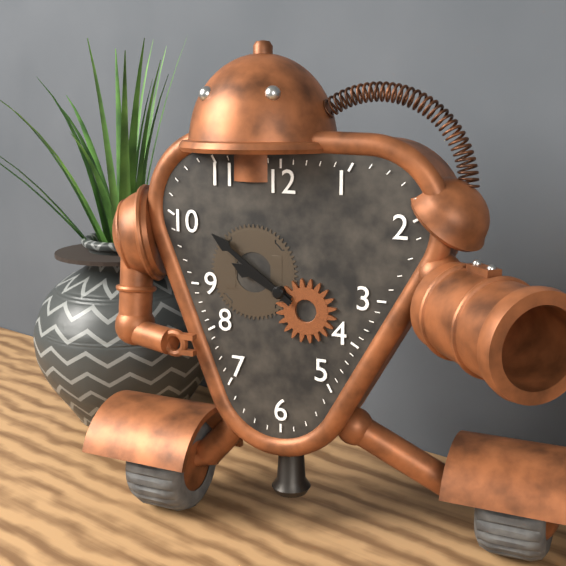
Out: 9:51
